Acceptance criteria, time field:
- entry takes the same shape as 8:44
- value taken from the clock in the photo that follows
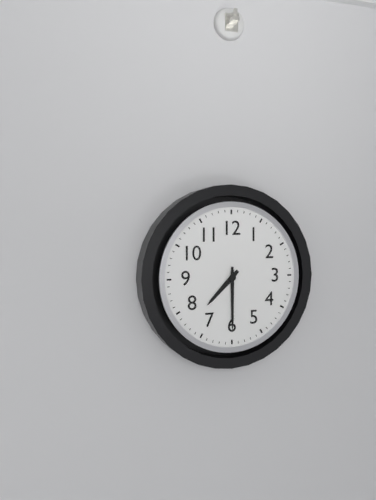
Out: 7:30
